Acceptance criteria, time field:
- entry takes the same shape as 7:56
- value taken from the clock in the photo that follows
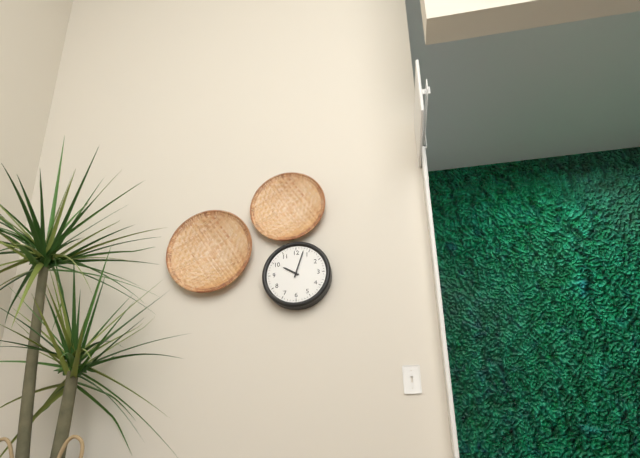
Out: 10:03
